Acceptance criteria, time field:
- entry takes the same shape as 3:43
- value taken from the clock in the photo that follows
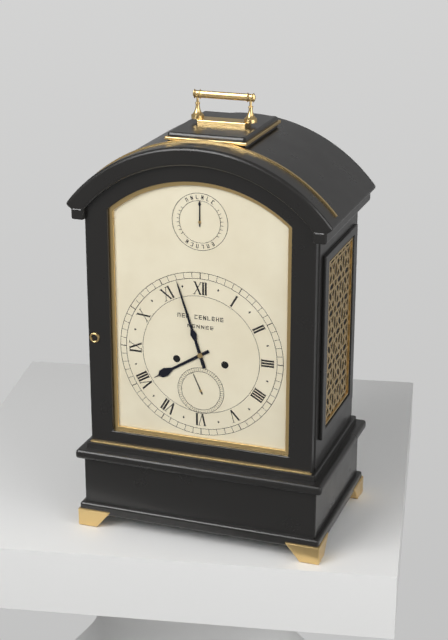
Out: 7:57
